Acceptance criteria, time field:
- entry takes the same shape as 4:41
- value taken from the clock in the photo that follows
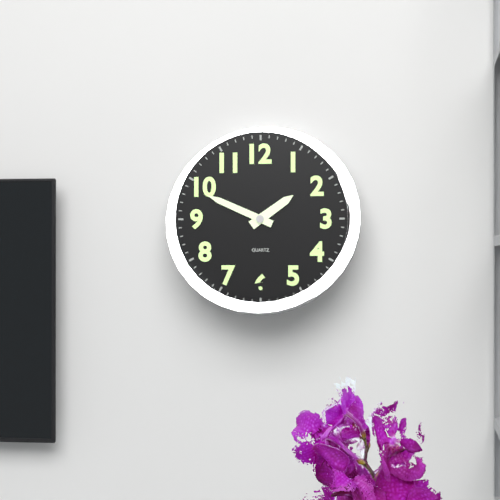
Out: 1:49
